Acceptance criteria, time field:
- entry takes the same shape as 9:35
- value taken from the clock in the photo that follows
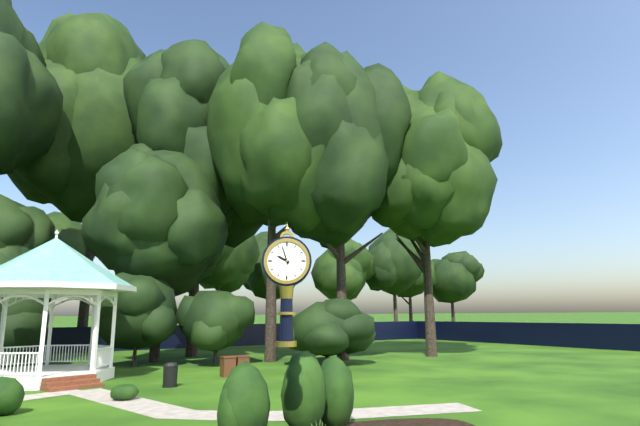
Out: 9:57
